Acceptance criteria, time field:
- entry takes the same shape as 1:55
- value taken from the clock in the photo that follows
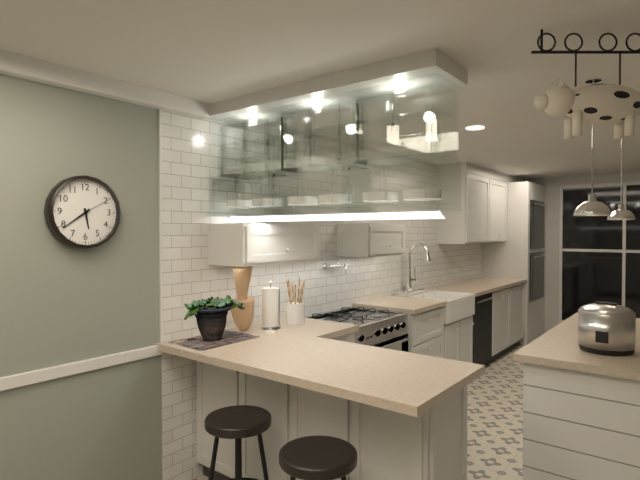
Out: 5:39
